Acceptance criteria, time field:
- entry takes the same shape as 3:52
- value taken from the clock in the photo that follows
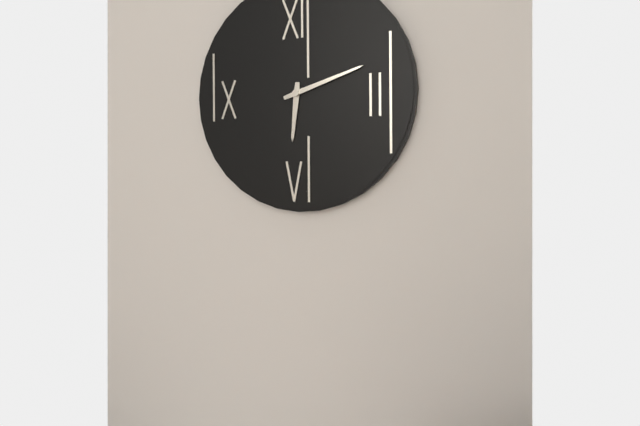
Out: 6:12
